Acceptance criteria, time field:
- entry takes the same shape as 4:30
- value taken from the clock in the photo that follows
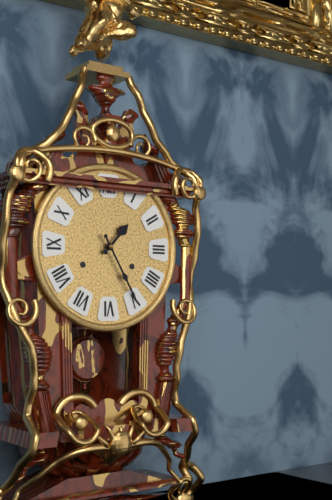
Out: 1:25
